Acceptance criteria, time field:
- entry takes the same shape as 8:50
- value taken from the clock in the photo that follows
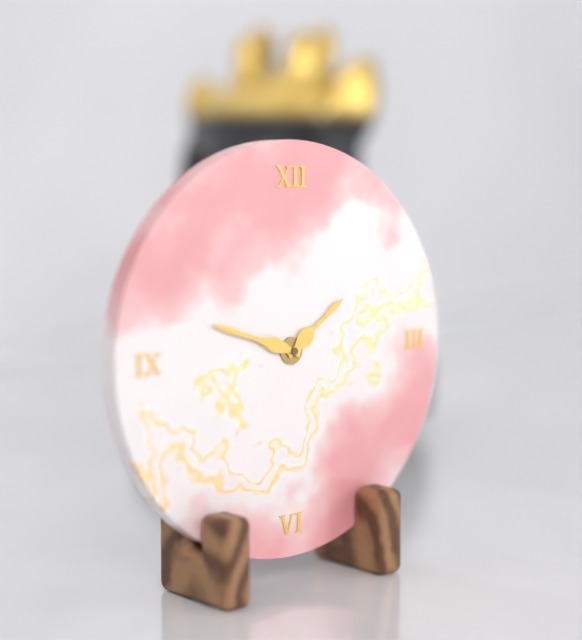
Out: 1:48
